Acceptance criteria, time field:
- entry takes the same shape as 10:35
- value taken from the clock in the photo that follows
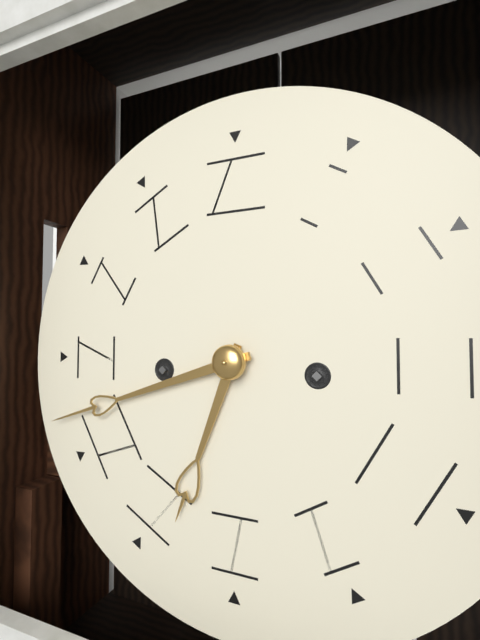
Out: 6:42
